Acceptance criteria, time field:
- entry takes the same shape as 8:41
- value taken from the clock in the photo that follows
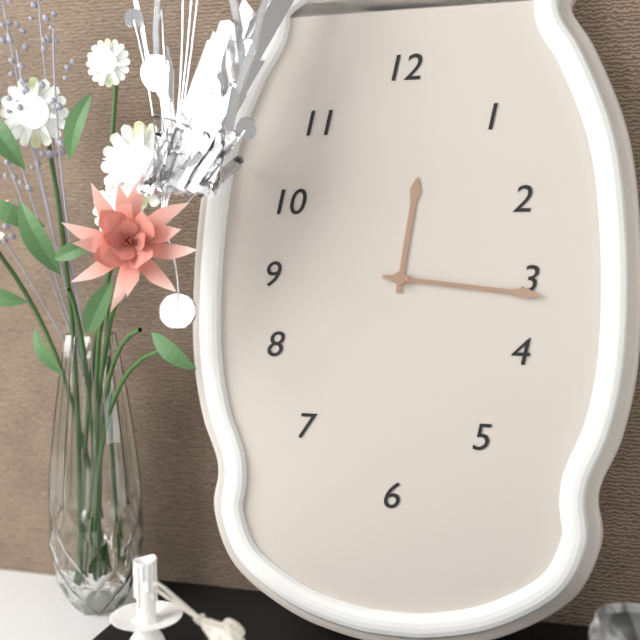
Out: 12:16
